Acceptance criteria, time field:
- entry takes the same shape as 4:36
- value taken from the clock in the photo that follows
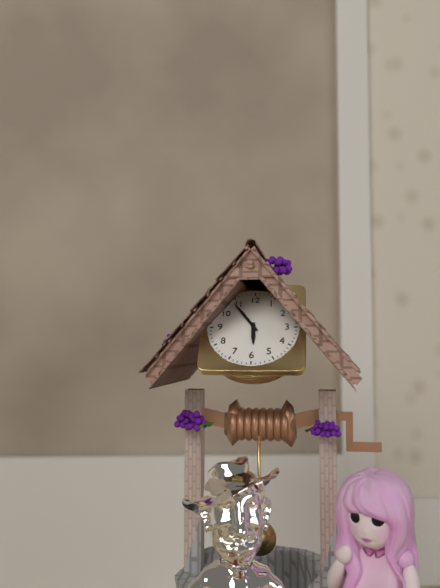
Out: 5:54
